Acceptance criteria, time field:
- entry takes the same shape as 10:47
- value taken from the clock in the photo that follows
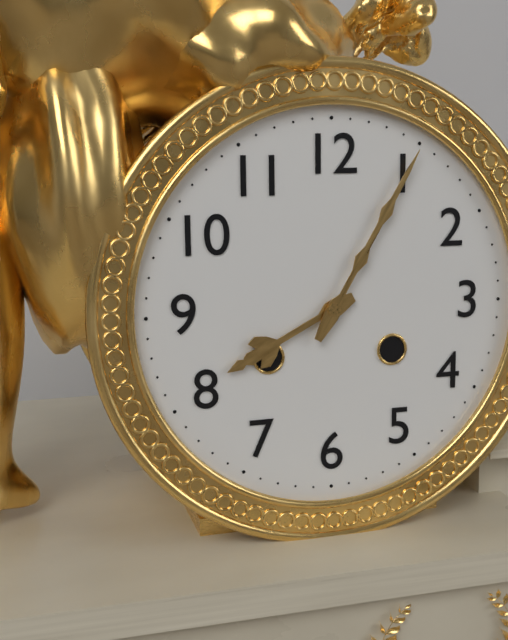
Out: 8:05
